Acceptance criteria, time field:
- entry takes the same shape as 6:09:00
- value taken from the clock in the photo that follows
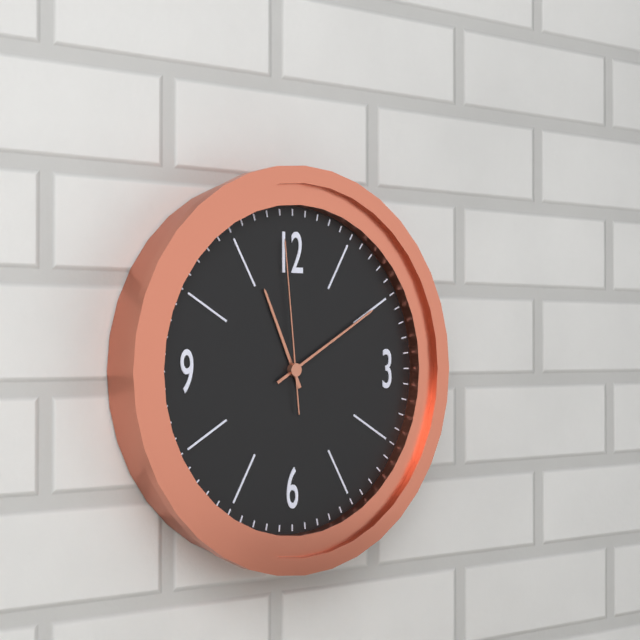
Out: 11:10:59
